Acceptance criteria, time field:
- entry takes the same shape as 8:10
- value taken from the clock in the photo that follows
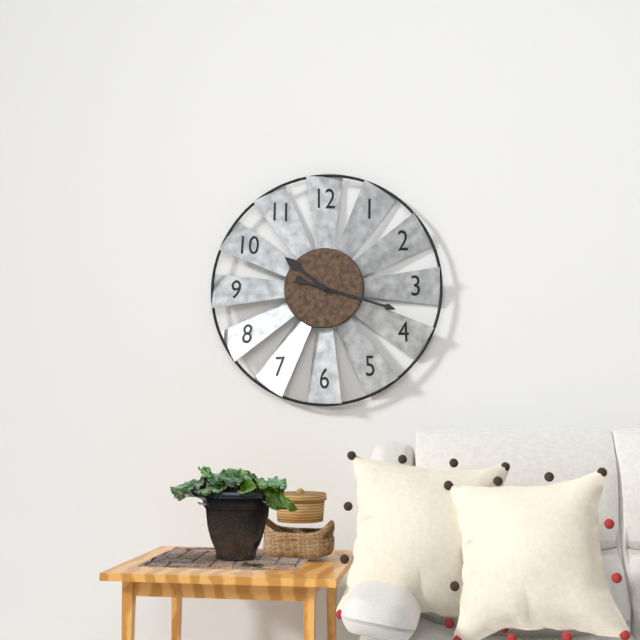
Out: 10:18
